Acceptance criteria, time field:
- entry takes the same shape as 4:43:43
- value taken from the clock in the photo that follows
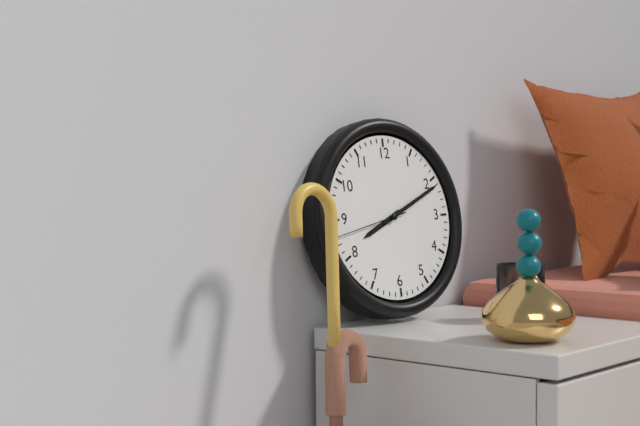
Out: 8:11:43
